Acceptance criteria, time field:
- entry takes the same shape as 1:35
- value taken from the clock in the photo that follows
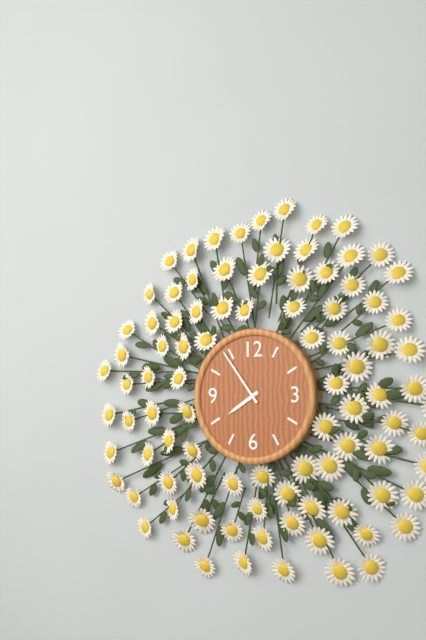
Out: 7:54
